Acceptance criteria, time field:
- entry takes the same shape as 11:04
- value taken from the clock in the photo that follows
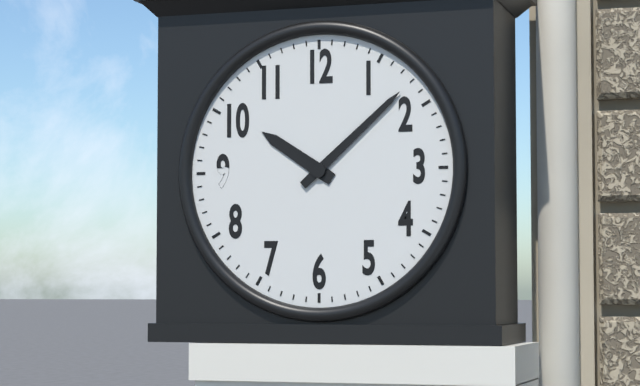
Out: 10:08
